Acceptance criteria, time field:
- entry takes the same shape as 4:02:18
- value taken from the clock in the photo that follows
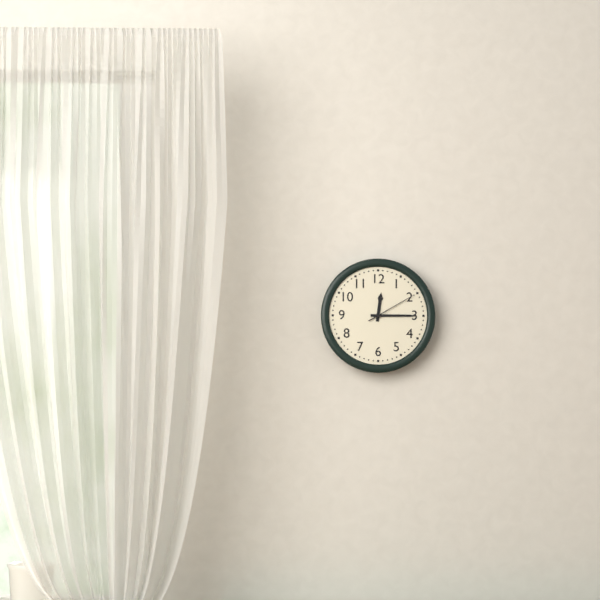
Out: 12:15:10
